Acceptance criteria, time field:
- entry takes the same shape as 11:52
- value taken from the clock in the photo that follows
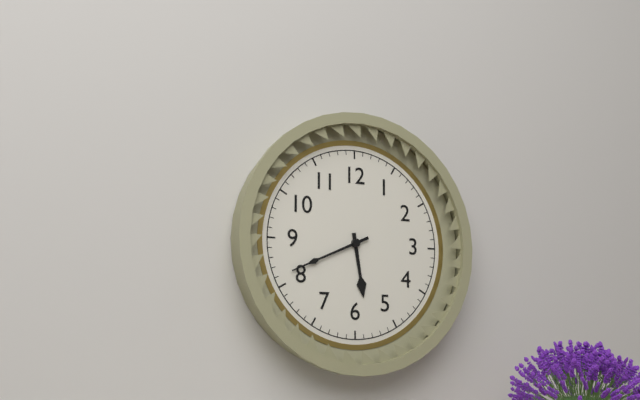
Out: 5:41
